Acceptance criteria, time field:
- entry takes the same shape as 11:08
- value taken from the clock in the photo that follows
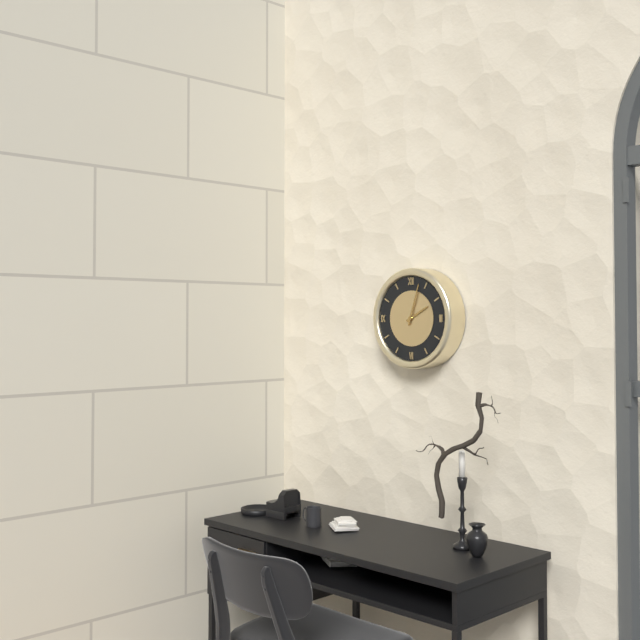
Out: 2:03
